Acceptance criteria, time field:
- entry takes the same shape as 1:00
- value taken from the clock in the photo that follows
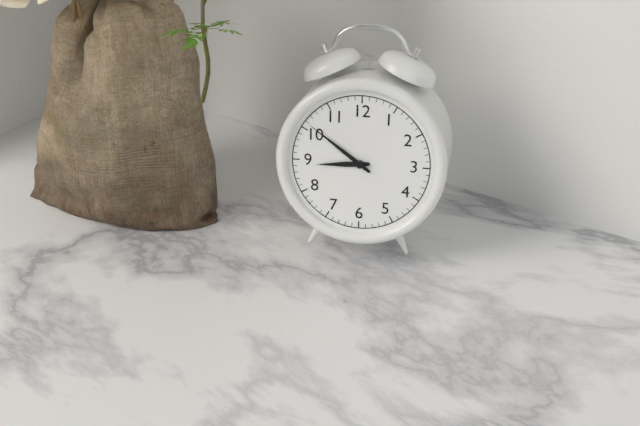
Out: 8:51
